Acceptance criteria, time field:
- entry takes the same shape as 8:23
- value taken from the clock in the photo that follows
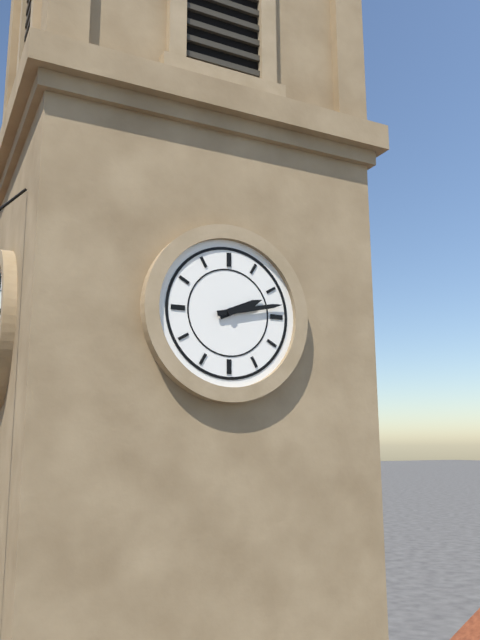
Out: 2:13
